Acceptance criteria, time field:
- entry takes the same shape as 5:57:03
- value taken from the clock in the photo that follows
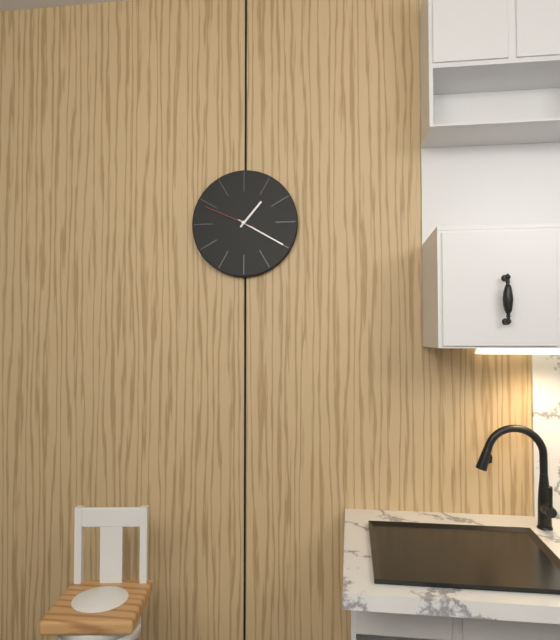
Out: 1:20:49
